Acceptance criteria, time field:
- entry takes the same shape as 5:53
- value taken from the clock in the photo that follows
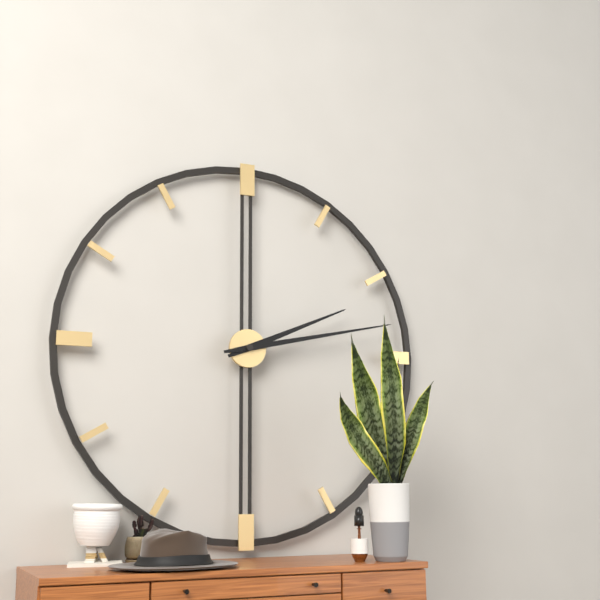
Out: 2:13
